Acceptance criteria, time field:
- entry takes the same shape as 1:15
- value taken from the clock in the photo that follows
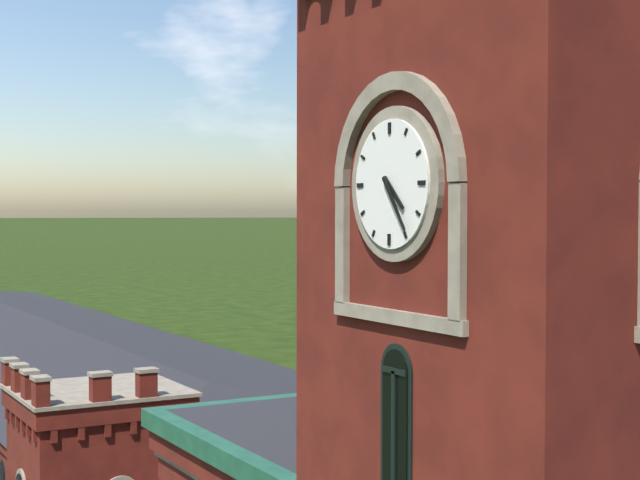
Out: 4:24
